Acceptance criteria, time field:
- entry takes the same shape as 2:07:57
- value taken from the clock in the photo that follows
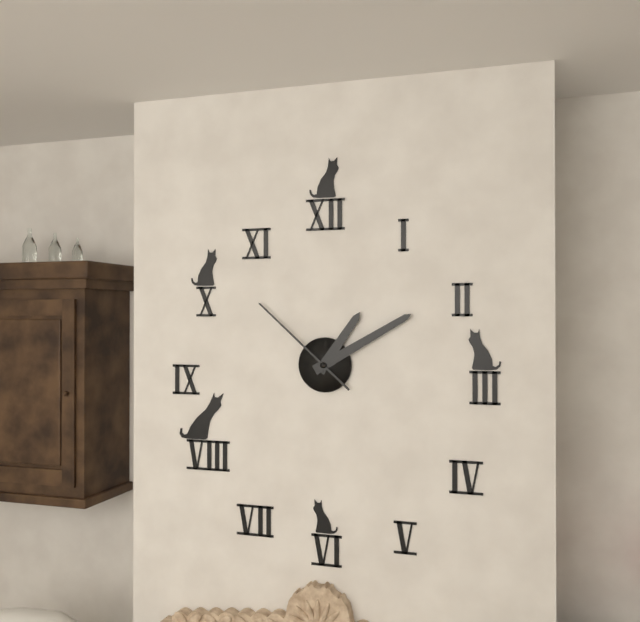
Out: 1:10:52
